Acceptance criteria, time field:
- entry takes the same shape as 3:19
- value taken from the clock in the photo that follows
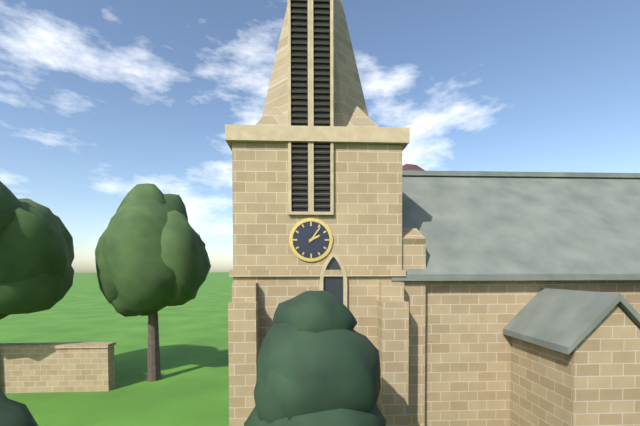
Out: 2:06
